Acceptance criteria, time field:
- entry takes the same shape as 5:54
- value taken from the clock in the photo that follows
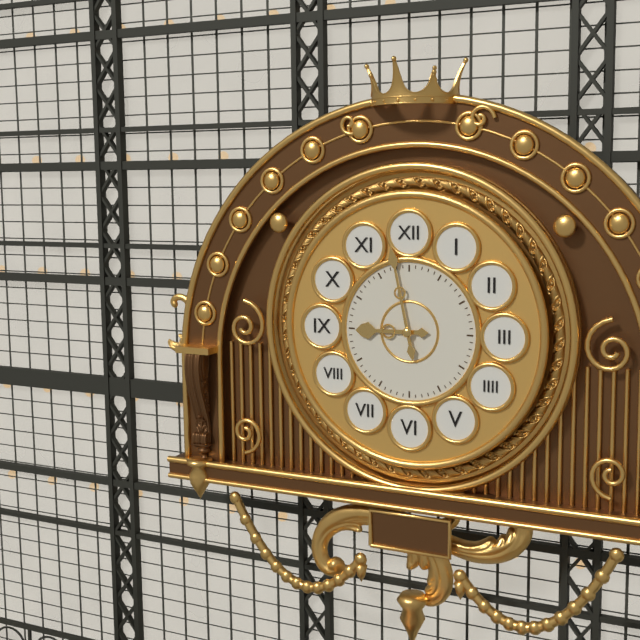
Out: 8:58
